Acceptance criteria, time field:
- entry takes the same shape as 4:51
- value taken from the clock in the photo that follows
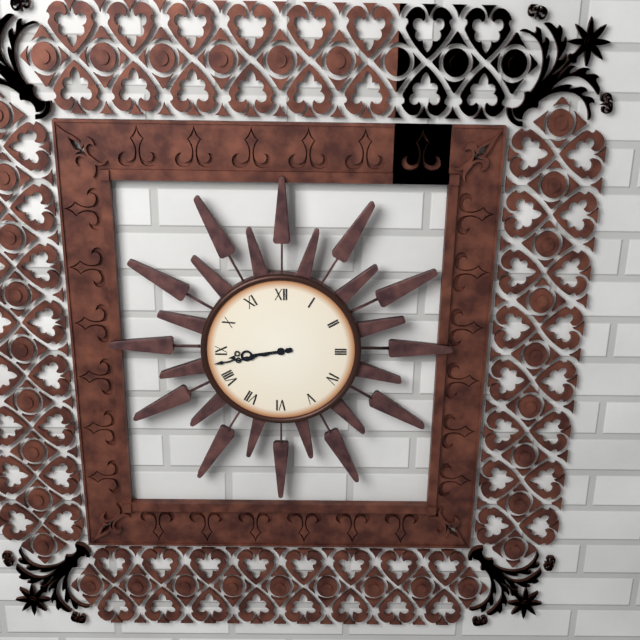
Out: 8:43
